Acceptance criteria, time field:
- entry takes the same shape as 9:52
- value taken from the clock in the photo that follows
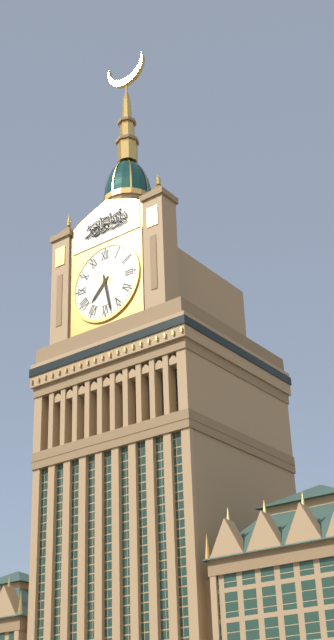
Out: 7:28
